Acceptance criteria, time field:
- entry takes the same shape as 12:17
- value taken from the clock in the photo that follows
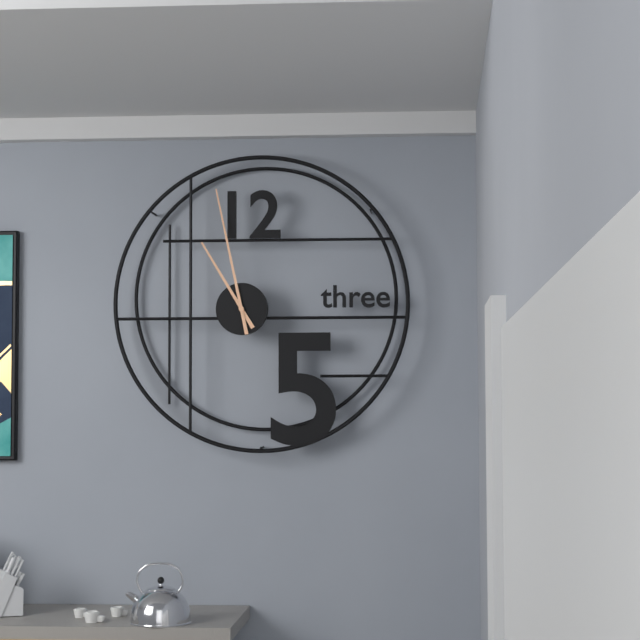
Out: 10:58
